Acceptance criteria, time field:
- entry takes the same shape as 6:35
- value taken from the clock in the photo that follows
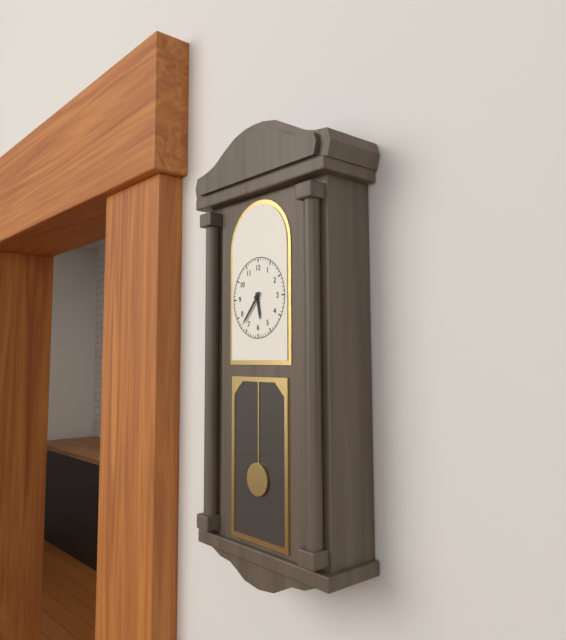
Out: 5:37
